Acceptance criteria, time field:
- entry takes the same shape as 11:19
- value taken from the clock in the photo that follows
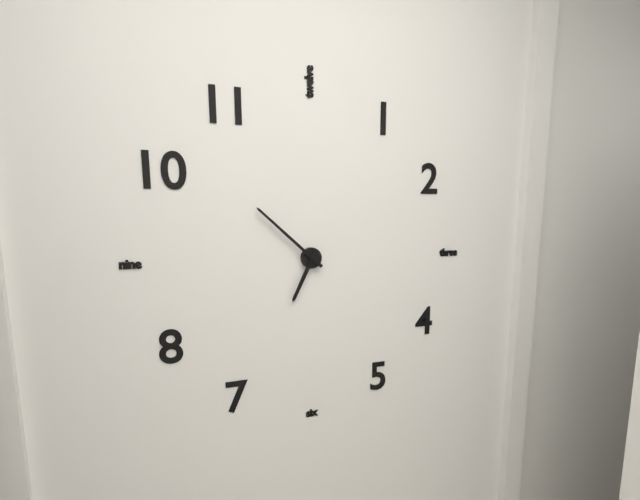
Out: 6:52
